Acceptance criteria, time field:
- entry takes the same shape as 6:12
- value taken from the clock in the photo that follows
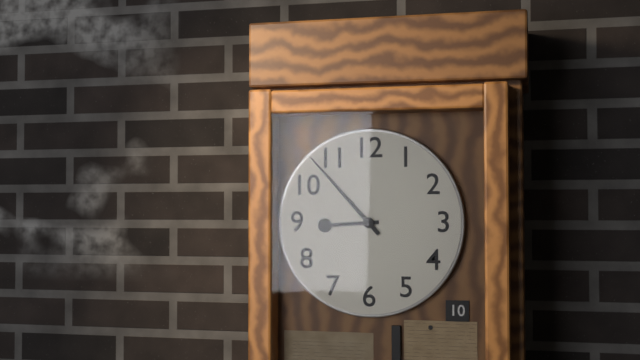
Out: 8:53
